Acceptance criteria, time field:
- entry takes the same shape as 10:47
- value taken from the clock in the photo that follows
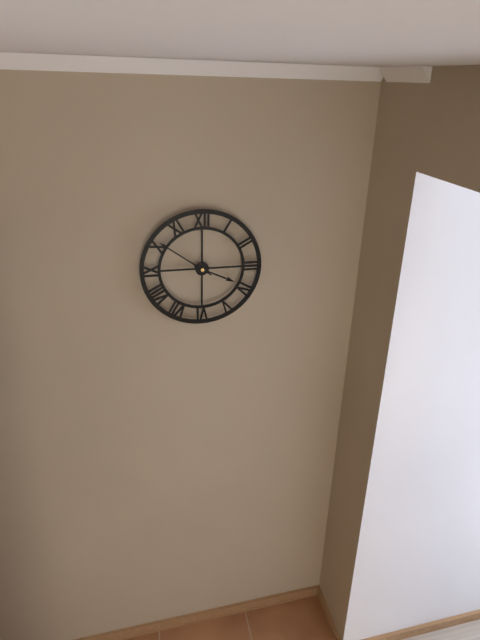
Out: 3:51
